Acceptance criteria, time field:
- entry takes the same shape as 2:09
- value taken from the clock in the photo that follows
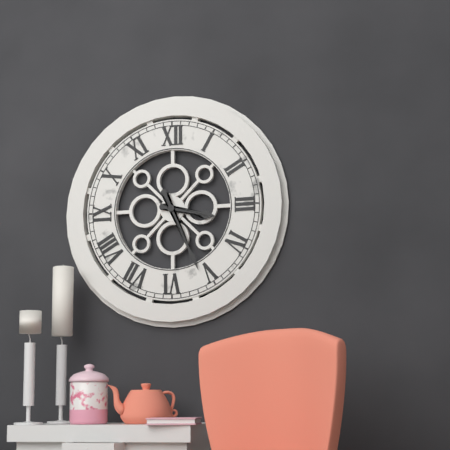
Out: 3:26
